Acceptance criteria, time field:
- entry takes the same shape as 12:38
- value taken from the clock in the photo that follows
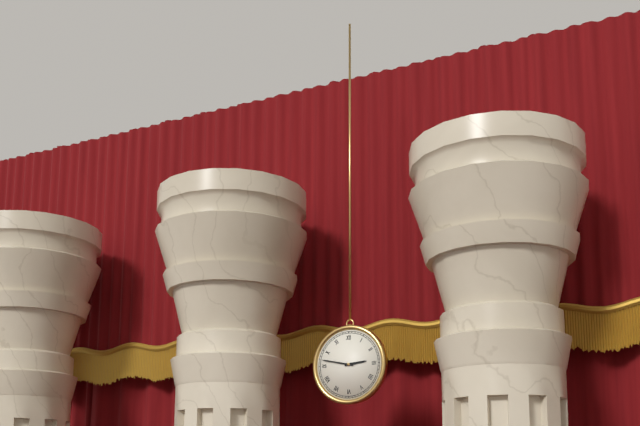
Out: 2:47
